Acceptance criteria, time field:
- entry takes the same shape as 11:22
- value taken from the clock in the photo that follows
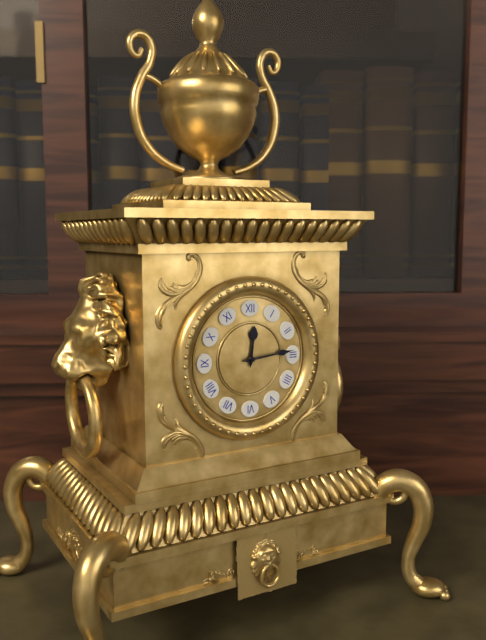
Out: 12:14
